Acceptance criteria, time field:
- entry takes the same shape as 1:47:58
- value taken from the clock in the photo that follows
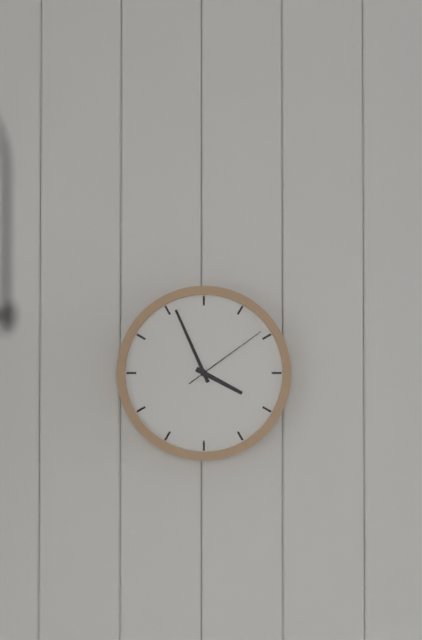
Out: 3:56:09
